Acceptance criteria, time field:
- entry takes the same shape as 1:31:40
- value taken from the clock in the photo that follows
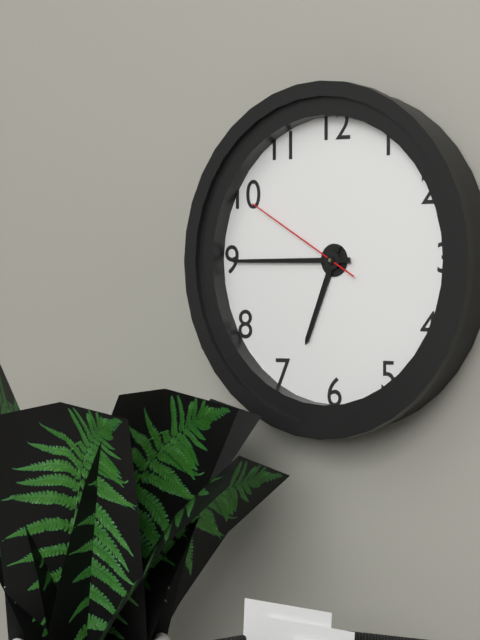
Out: 6:45:50
